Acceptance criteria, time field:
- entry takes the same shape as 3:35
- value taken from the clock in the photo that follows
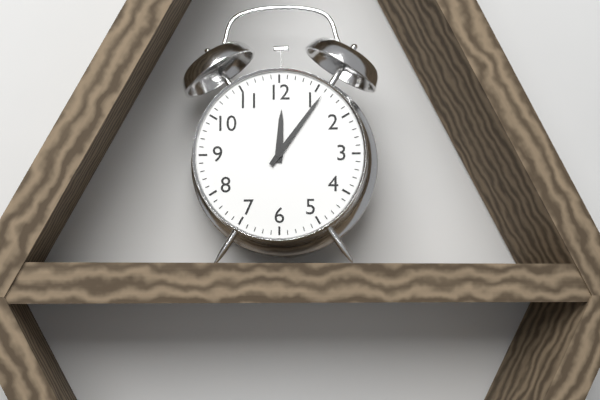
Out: 12:06
